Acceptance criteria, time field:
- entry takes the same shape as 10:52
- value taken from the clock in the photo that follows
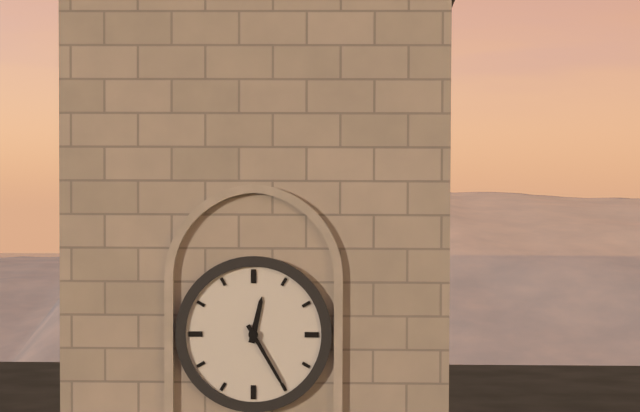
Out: 12:25
